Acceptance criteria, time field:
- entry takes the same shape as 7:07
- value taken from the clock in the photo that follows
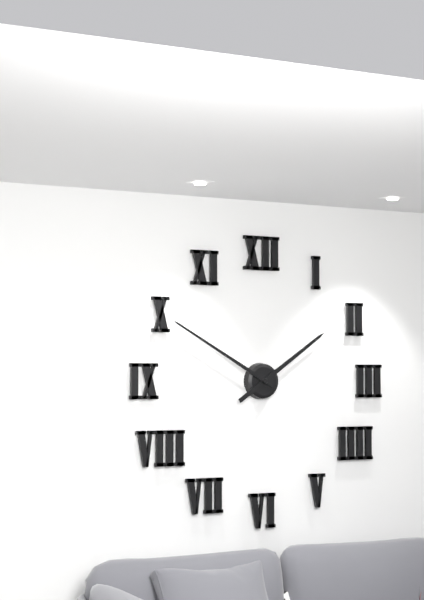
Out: 1:50
